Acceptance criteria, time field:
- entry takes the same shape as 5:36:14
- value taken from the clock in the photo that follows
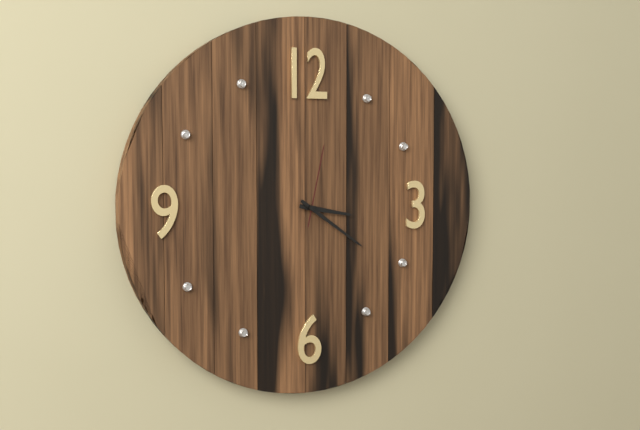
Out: 3:21:02
